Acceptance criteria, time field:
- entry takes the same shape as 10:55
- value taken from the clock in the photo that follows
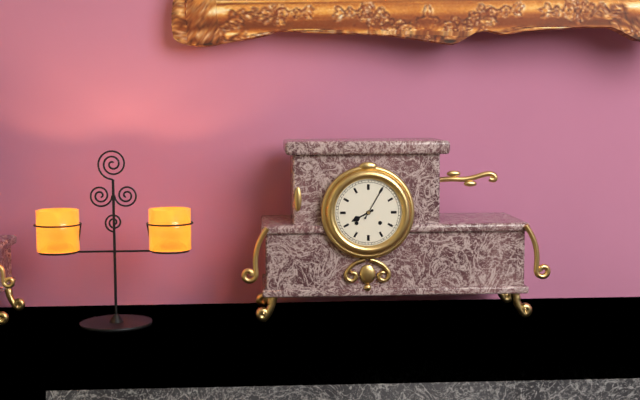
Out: 8:05
